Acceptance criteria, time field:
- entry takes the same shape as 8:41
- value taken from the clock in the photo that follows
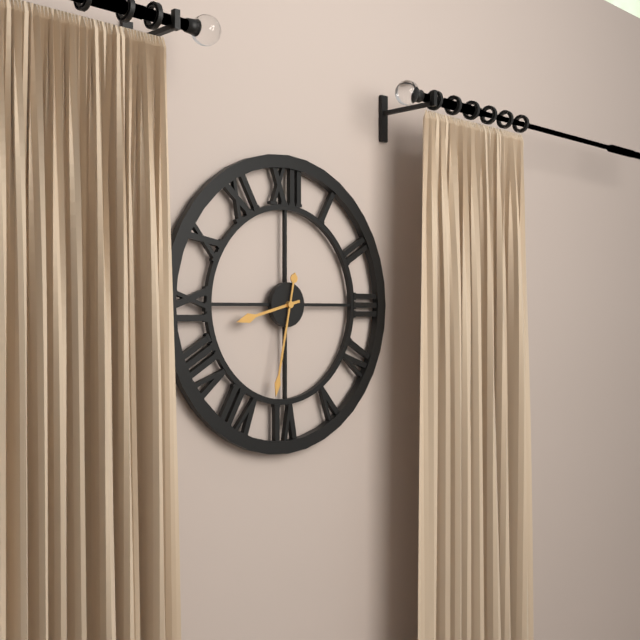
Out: 8:32
